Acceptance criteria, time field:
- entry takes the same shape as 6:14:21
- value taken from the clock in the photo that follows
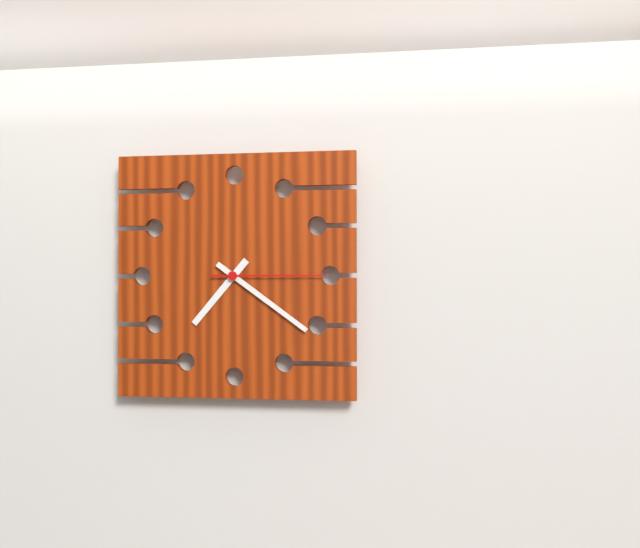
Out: 7:21:15
